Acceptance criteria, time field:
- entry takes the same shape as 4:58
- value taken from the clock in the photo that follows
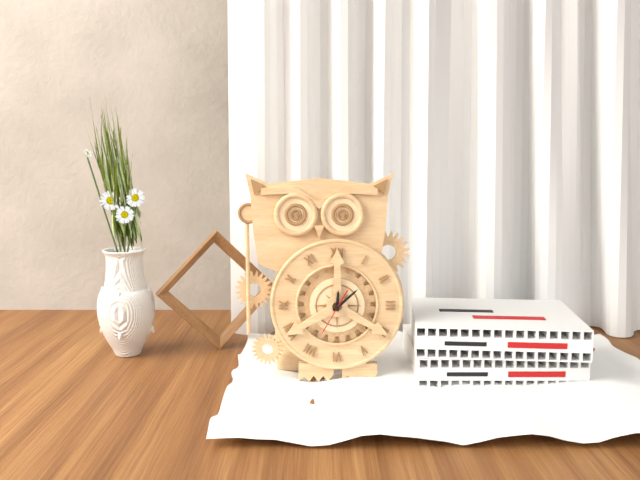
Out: 12:08
